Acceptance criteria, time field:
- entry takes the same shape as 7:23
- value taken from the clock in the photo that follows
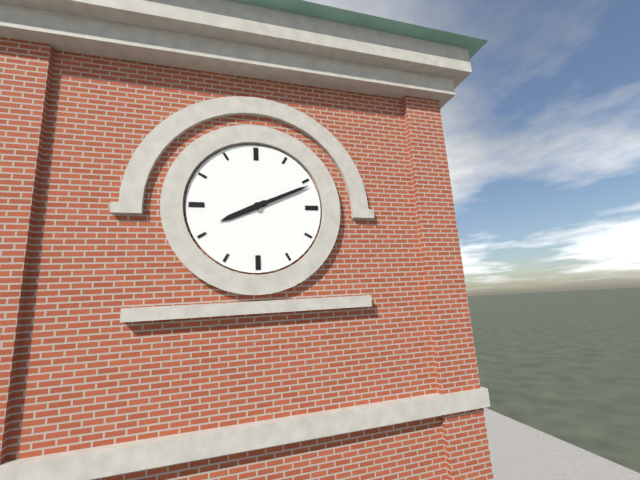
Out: 8:11
